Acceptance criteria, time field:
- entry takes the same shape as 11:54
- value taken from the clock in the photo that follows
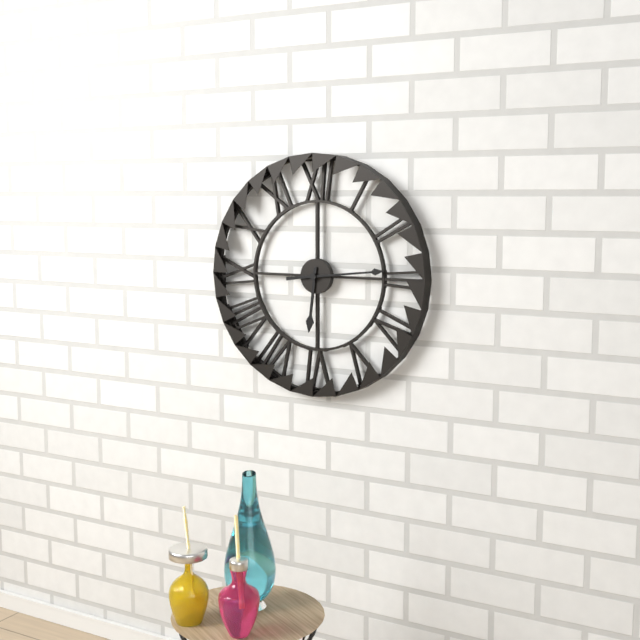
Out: 6:14
